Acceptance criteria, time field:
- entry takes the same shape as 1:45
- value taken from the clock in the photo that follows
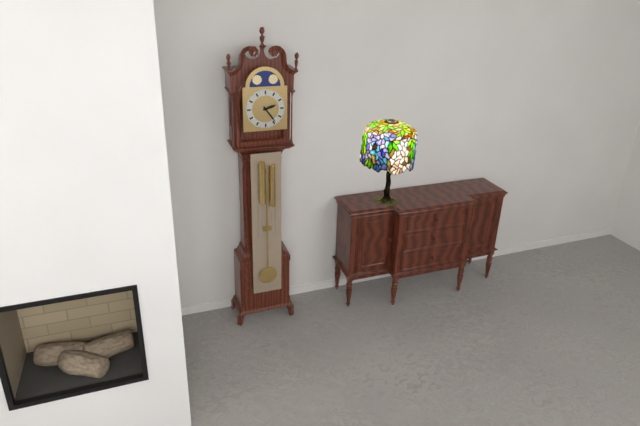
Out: 2:24
